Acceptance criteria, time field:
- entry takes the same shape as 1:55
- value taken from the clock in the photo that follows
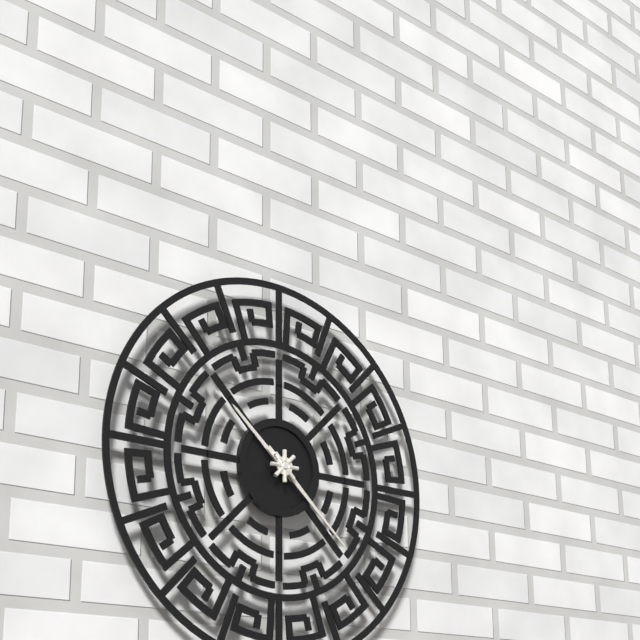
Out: 10:22
